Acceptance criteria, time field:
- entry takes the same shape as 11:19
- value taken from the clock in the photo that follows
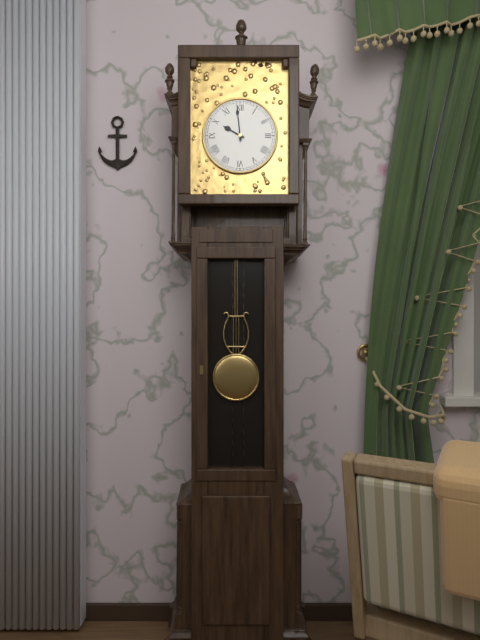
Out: 9:59
